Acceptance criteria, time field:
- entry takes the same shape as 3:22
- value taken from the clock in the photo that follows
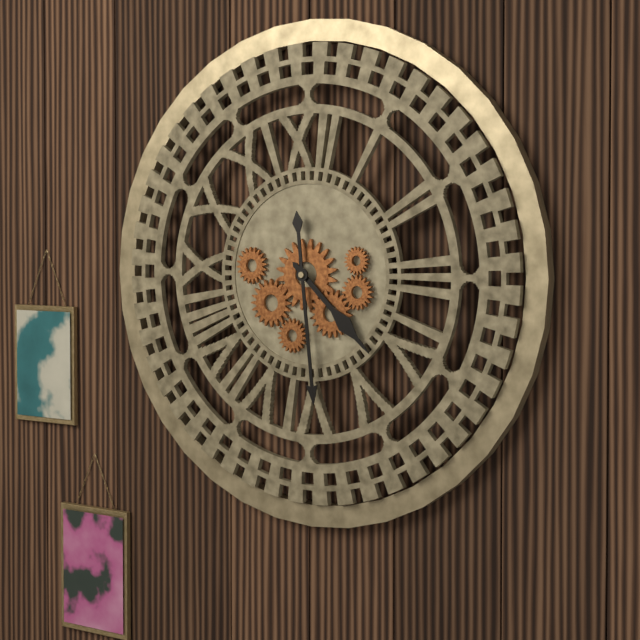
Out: 4:29
